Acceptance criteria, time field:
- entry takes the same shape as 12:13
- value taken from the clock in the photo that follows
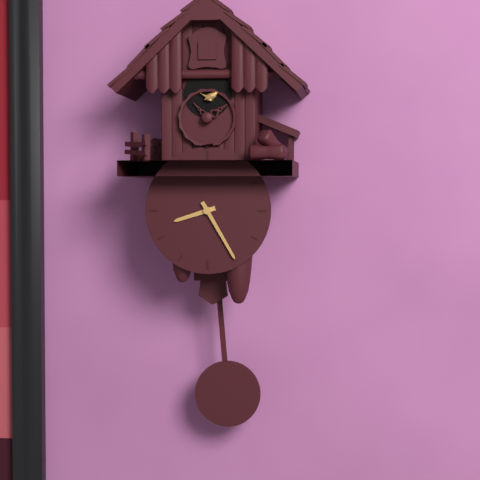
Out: 8:25
